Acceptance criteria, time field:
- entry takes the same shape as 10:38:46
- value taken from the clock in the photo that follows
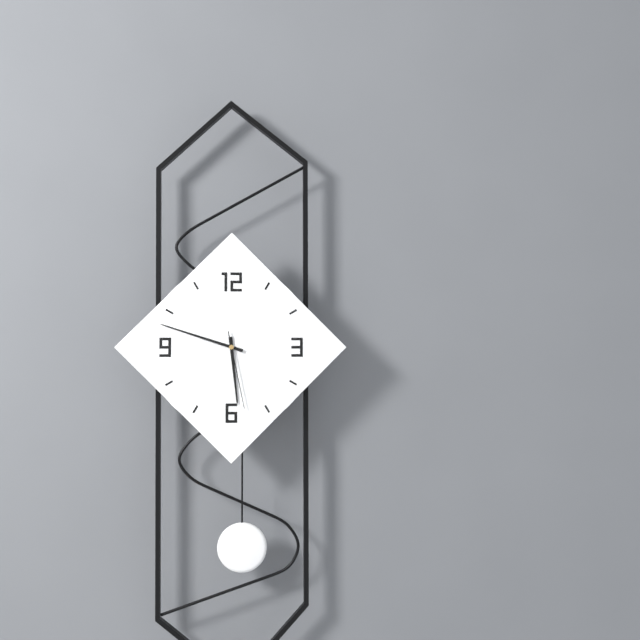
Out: 5:48:28
